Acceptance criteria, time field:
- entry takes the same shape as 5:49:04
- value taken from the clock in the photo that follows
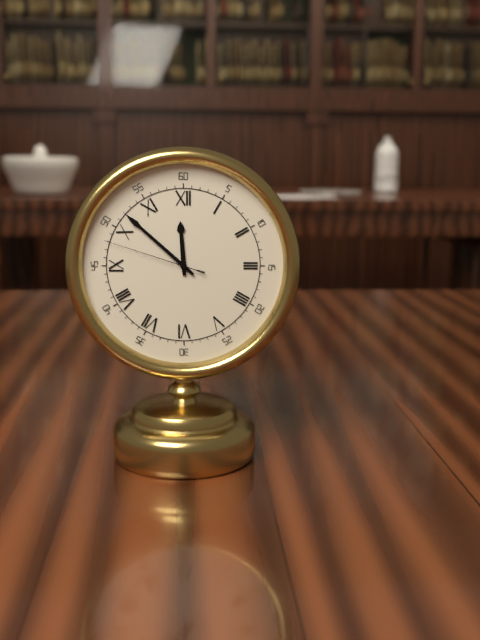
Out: 11:52:48
